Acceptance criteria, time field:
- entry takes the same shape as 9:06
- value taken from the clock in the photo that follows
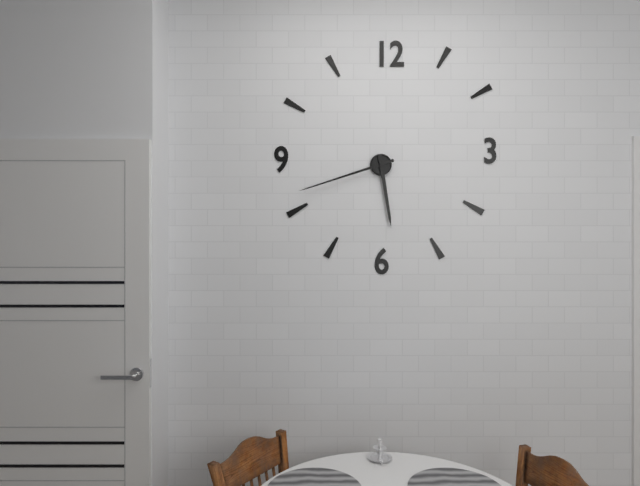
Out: 5:42
